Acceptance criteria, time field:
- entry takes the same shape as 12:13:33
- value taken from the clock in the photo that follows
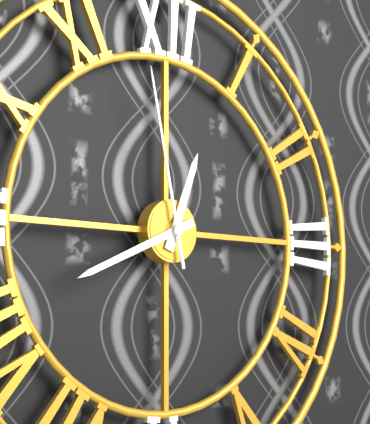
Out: 12:41:58
